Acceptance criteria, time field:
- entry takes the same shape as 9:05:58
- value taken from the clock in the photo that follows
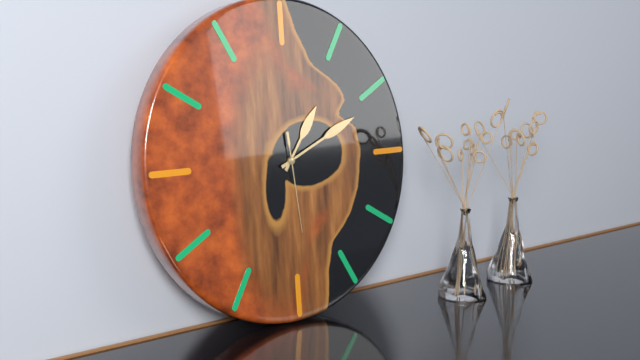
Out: 1:11:29
